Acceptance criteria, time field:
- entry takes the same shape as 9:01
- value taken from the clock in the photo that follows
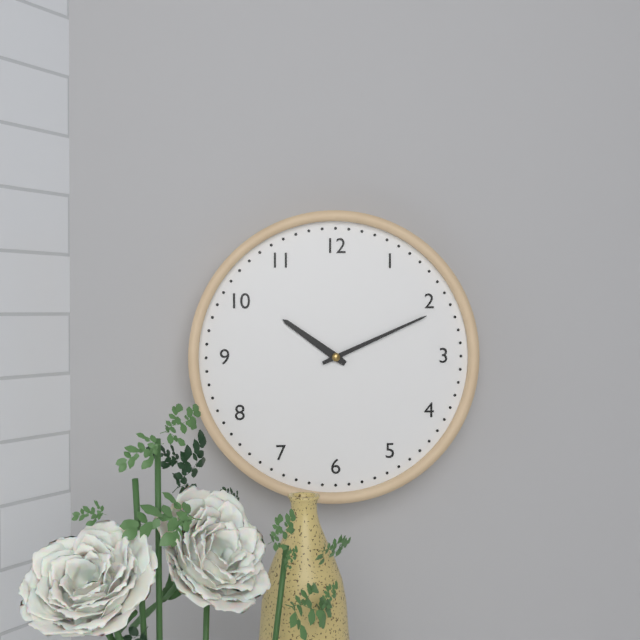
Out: 10:11
